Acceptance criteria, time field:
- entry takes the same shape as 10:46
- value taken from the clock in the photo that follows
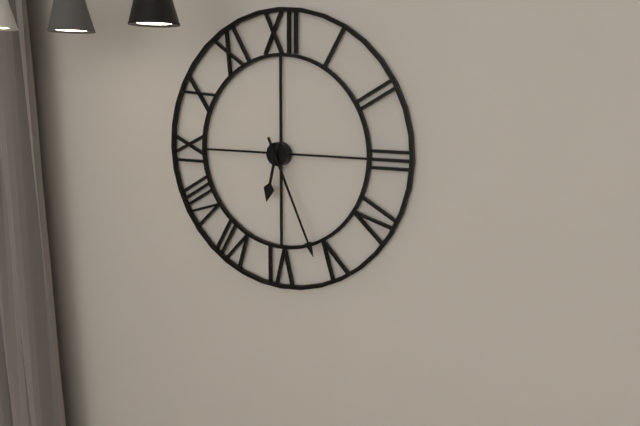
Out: 6:26
